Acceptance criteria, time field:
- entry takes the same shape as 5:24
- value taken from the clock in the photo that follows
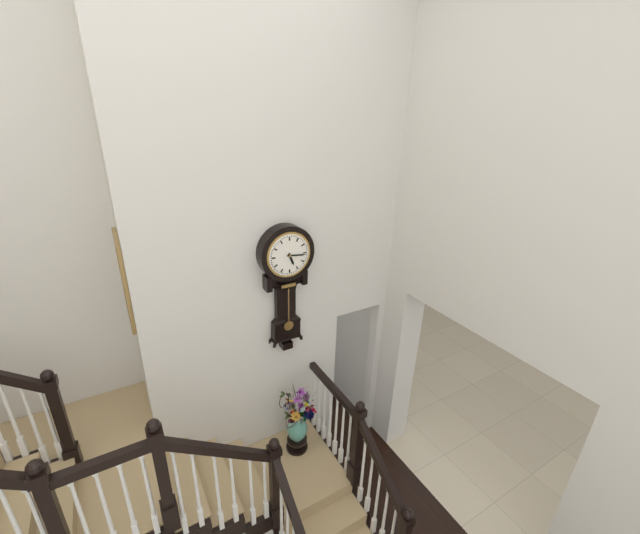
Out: 5:16
